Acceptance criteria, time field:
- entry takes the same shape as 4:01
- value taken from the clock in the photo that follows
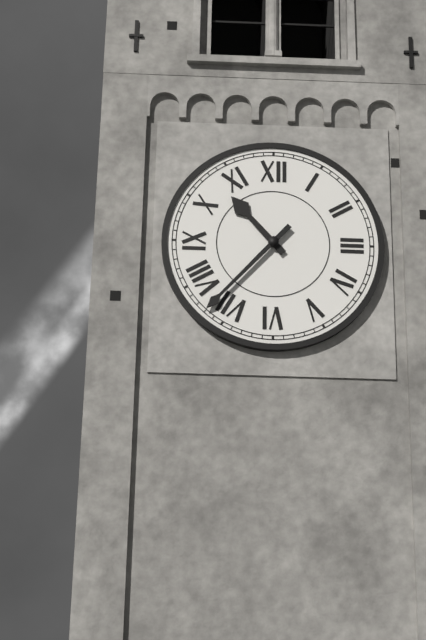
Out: 10:37
